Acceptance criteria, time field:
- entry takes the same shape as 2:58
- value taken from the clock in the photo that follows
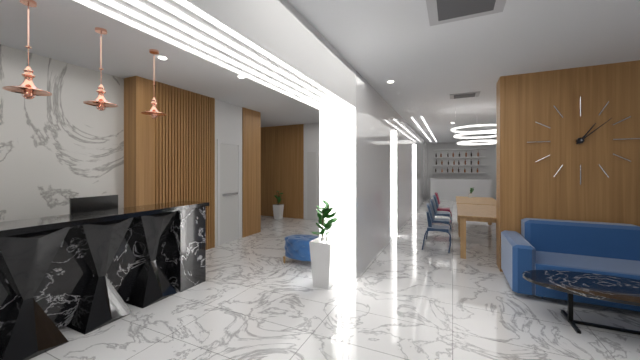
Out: 1:08
